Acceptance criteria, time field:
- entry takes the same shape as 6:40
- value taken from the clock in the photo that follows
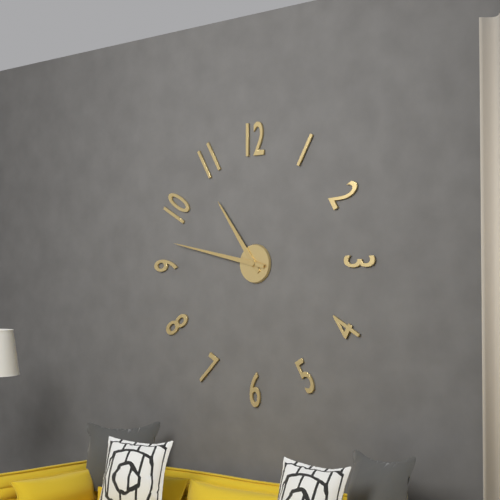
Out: 10:47
